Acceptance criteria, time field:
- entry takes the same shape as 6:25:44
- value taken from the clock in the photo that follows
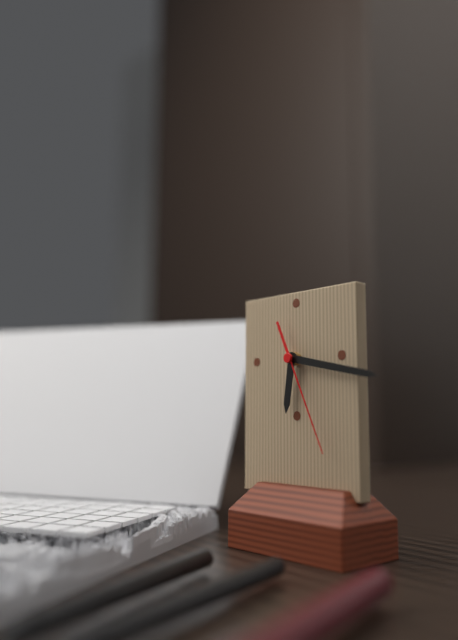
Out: 6:17:26
